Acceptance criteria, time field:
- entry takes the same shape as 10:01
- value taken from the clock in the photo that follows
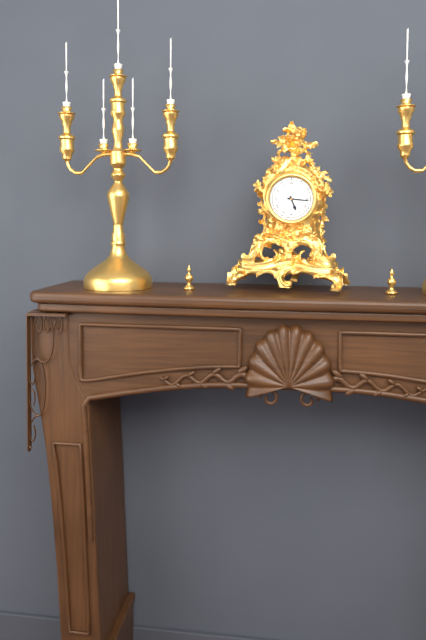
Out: 5:16
